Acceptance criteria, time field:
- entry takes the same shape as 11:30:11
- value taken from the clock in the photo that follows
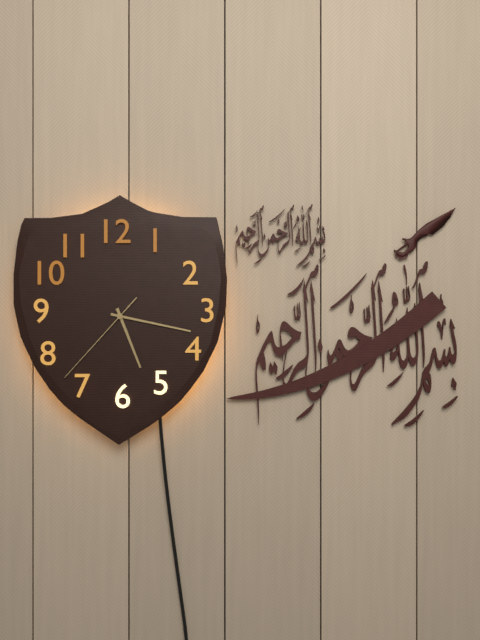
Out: 5:17:37
